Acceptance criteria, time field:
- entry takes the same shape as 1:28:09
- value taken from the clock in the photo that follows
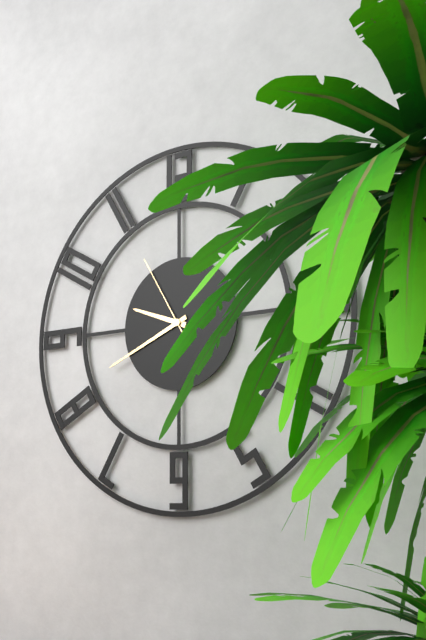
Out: 9:41:55
